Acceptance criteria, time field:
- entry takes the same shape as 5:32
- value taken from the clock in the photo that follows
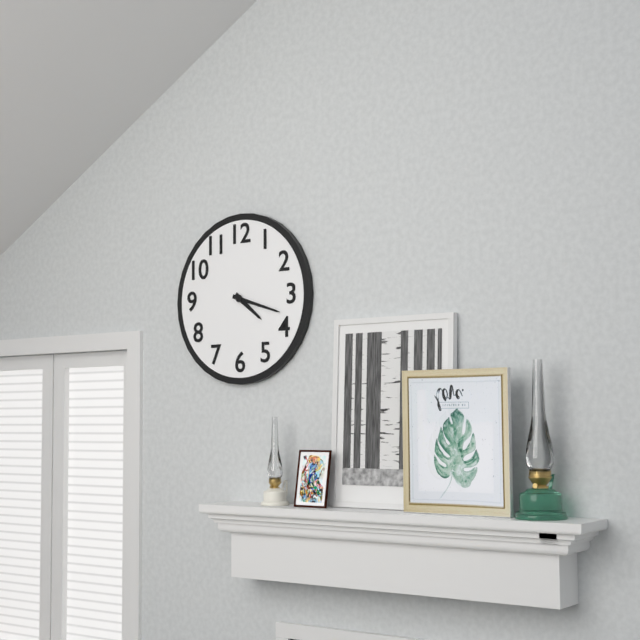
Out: 4:18
